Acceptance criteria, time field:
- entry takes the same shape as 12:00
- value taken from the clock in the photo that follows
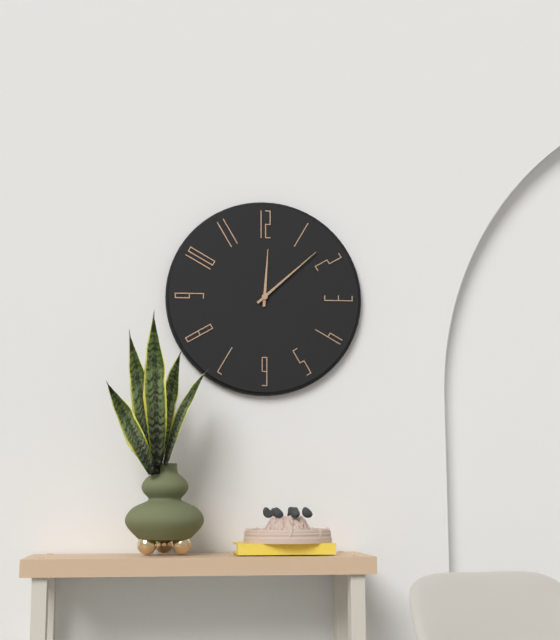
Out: 12:08
